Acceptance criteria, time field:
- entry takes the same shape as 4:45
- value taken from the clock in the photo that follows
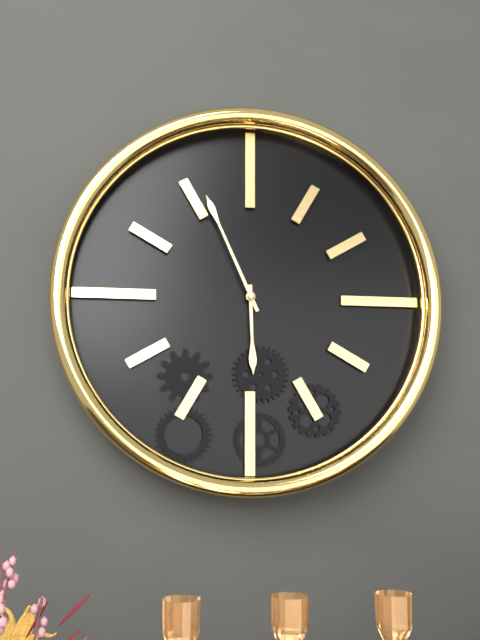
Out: 5:56
